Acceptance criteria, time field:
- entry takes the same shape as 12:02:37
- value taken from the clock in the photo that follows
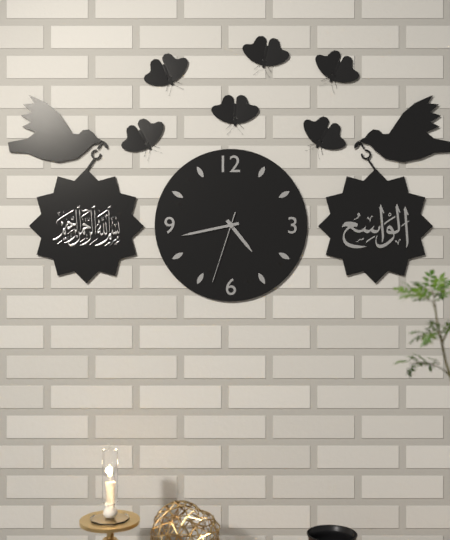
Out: 4:43:33
